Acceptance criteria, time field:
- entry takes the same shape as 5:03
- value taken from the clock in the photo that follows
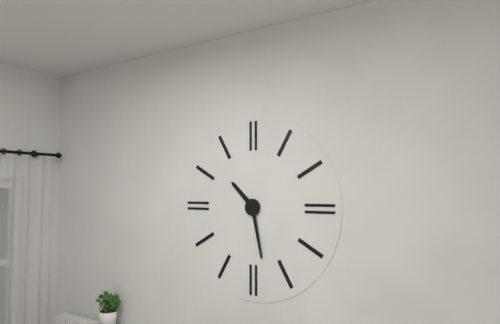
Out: 10:28
